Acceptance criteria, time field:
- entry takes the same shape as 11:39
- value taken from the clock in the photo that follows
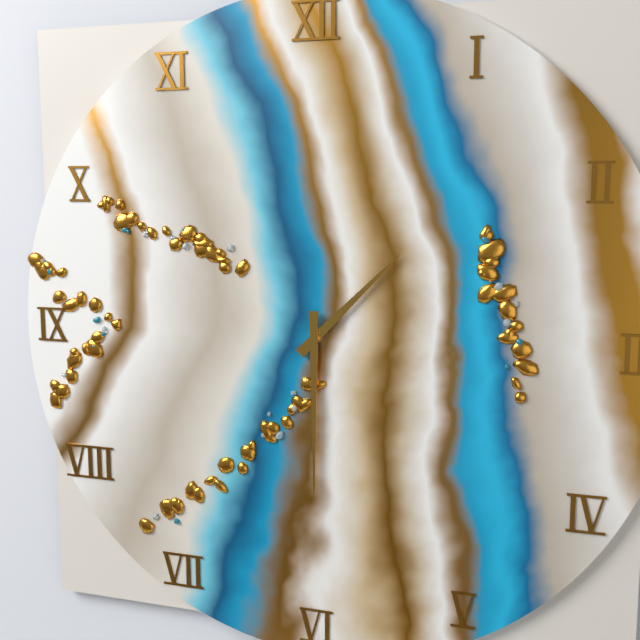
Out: 1:30
